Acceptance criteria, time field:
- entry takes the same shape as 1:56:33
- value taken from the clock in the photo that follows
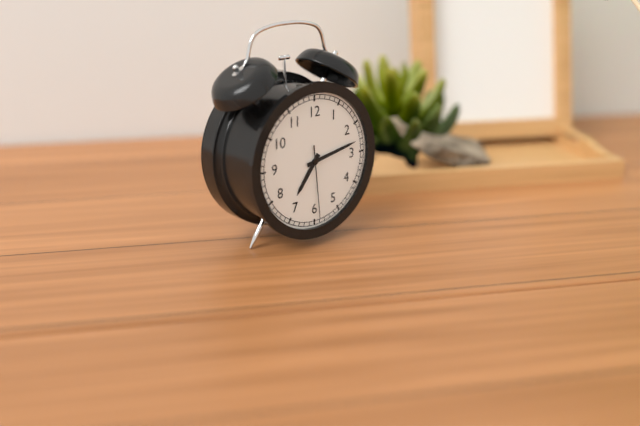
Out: 7:13:29
